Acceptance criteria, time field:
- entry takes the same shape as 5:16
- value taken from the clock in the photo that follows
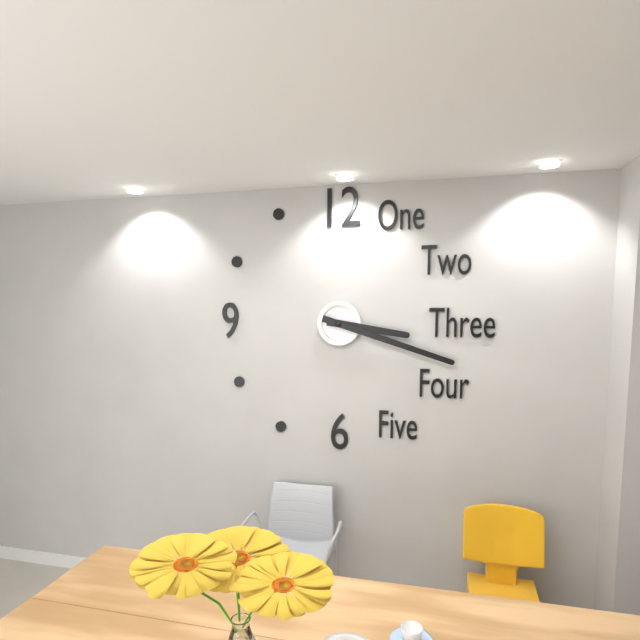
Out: 3:18
